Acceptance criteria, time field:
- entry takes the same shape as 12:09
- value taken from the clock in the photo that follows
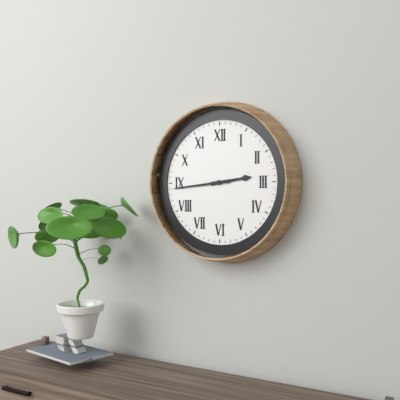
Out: 2:44
